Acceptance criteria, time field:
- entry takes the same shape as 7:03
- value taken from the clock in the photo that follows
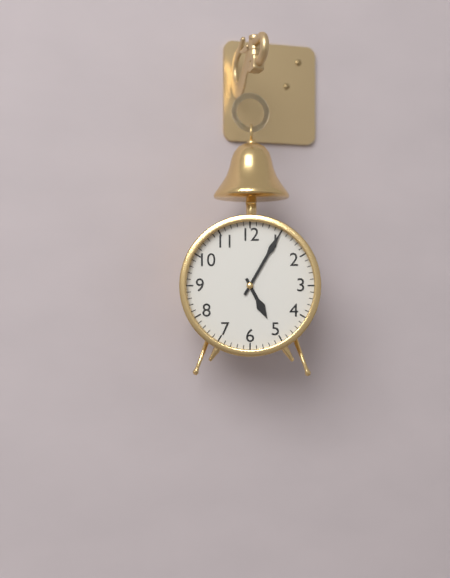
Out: 5:05
